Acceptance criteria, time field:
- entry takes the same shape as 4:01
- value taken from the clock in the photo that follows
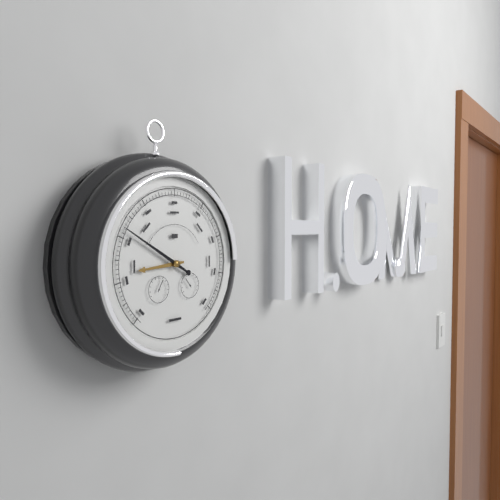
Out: 8:50
